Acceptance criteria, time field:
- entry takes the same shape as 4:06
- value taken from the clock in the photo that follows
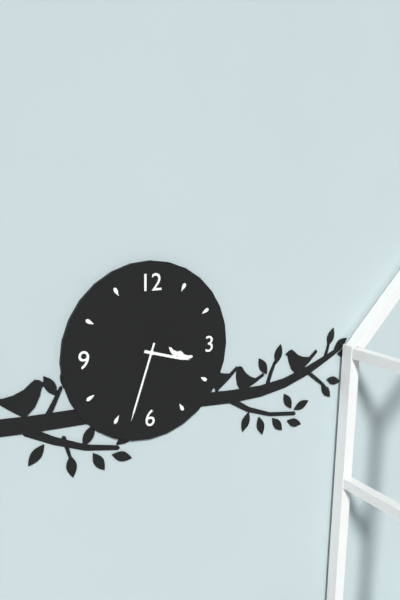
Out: 3:33
